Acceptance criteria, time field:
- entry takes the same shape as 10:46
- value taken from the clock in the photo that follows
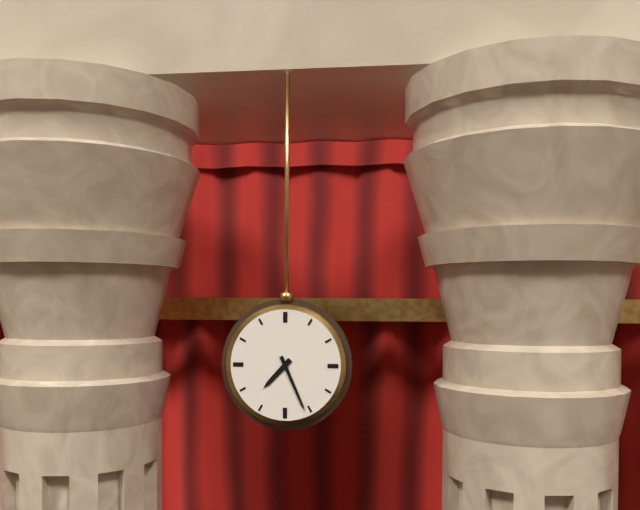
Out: 7:26
